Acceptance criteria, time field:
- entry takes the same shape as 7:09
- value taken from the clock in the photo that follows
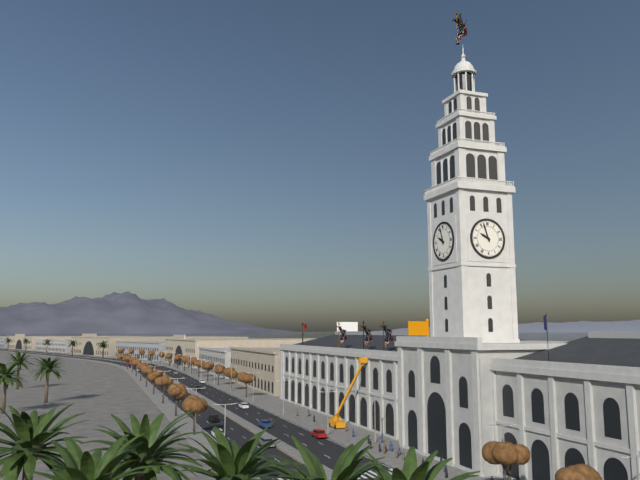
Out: 9:57
